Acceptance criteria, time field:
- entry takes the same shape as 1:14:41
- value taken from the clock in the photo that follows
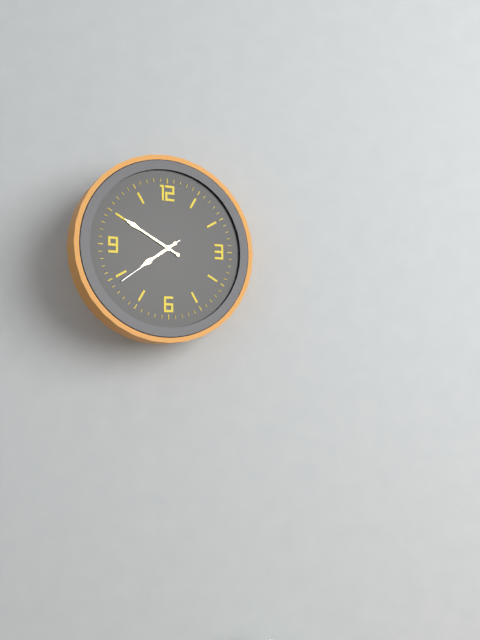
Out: 7:50:39
